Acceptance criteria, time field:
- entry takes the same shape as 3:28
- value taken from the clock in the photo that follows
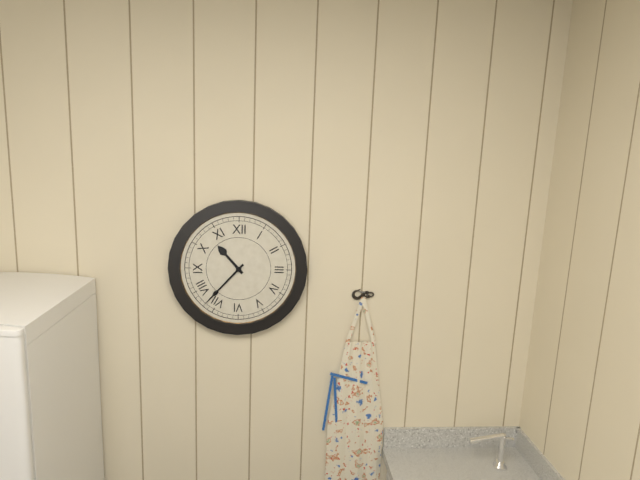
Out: 10:37
